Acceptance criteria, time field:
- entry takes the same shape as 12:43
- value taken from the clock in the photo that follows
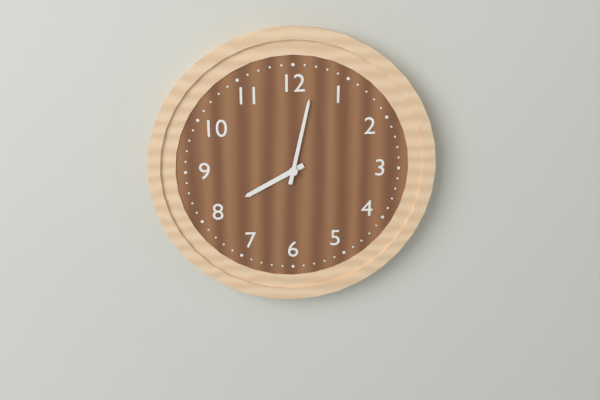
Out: 8:02
